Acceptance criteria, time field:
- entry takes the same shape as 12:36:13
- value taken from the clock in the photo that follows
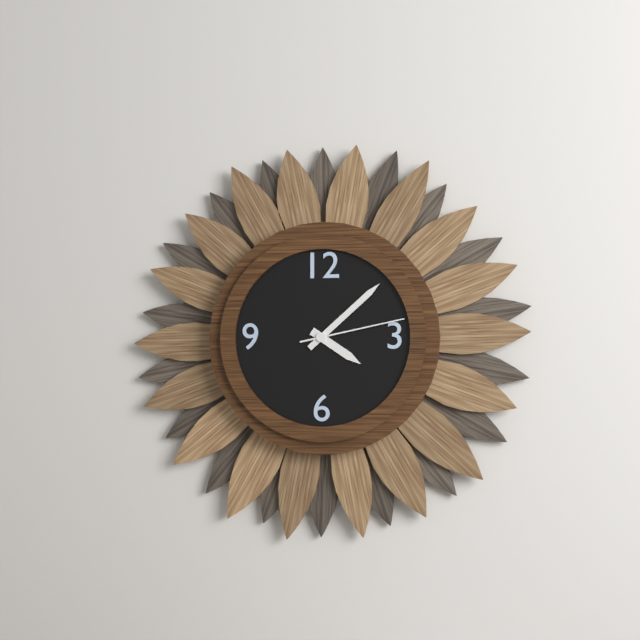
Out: 4:08:13
